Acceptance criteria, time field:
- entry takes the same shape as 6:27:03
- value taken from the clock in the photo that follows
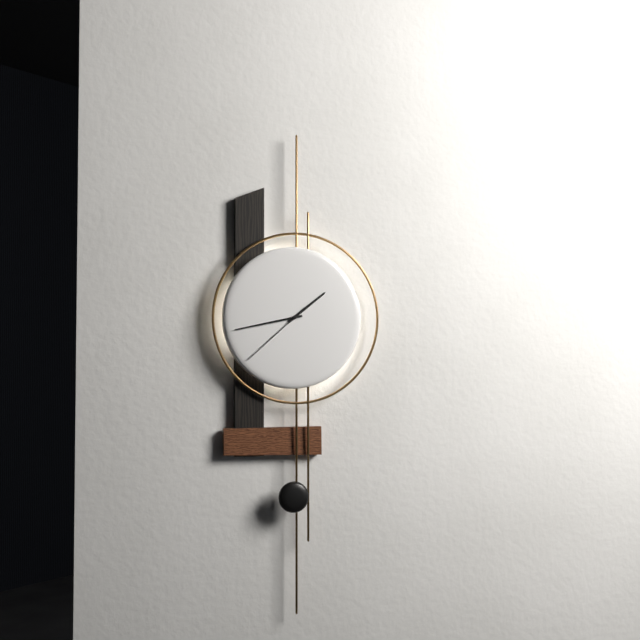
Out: 1:43:38
